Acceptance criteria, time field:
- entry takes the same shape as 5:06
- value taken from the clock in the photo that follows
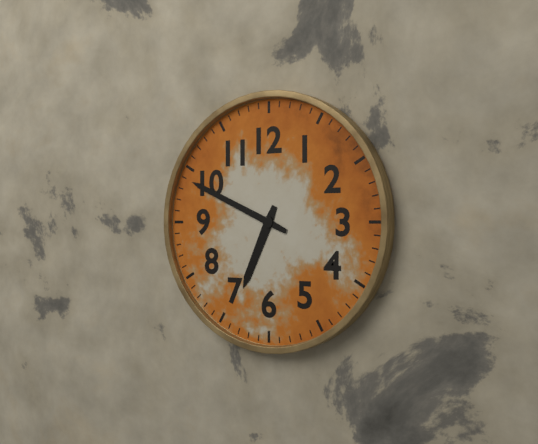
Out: 6:49
